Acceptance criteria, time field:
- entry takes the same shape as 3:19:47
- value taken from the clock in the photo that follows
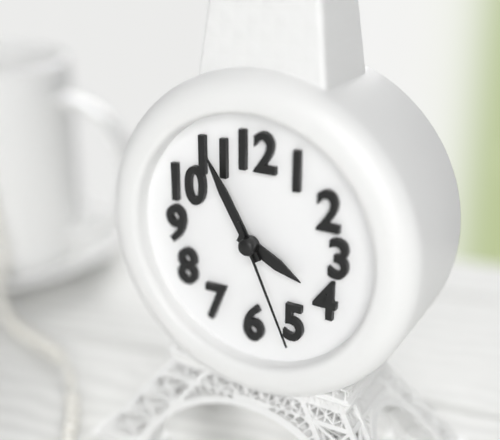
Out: 3:55:26
